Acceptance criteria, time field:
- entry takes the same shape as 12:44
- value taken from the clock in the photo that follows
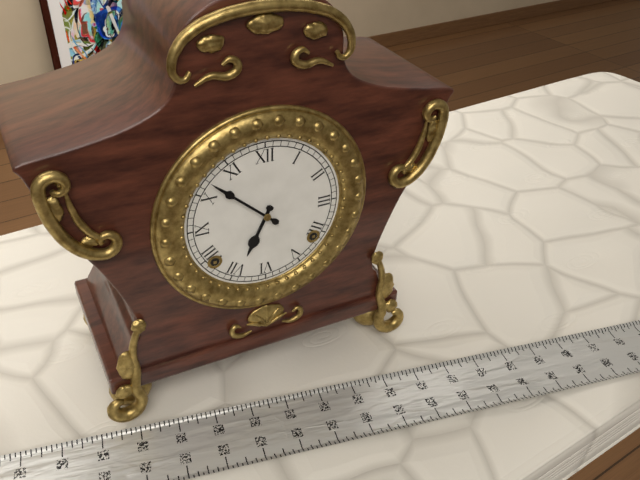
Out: 6:52
